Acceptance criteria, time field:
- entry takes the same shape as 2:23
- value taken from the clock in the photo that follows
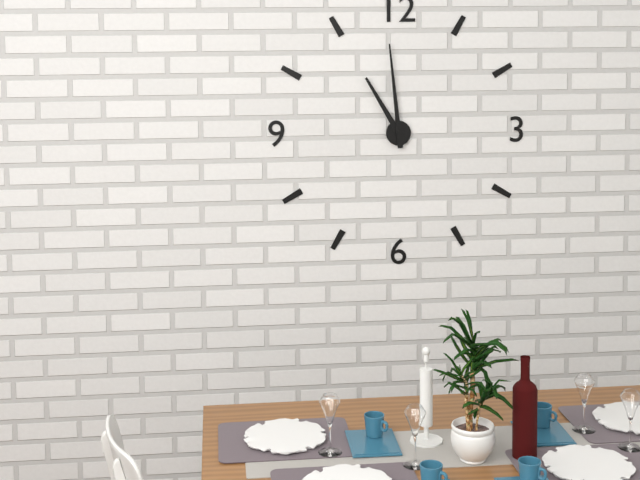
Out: 10:59
